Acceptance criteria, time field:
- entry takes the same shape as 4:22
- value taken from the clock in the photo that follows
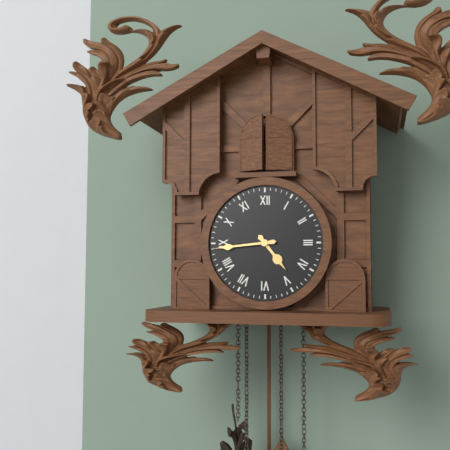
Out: 4:44
